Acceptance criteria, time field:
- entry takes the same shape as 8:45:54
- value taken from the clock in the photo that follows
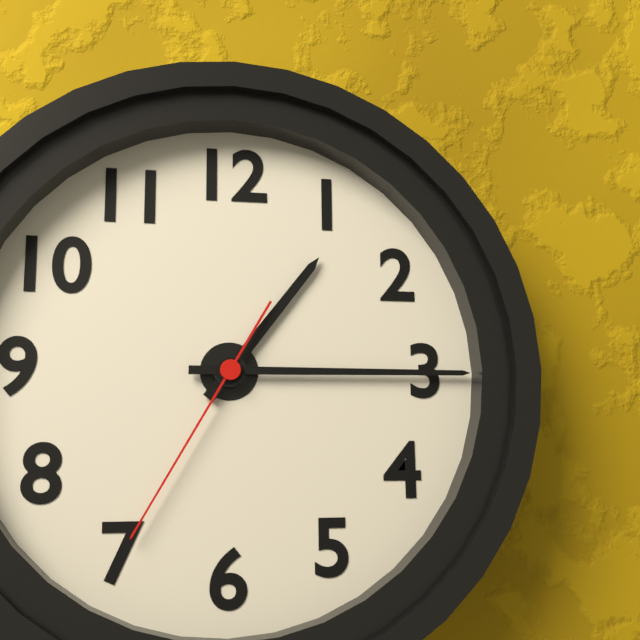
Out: 1:15:35
